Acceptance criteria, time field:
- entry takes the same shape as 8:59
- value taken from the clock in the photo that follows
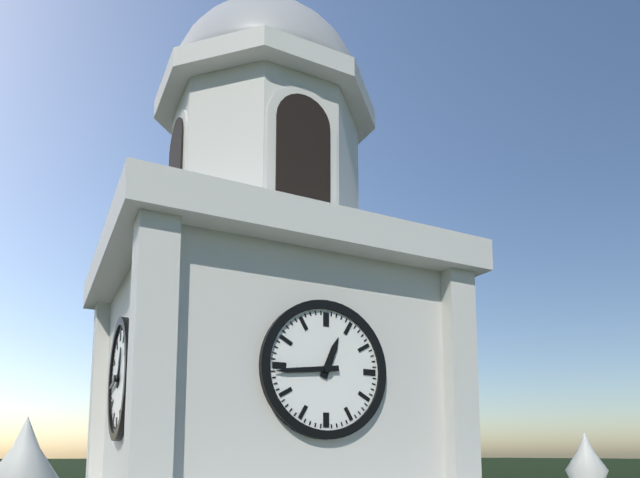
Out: 12:44
